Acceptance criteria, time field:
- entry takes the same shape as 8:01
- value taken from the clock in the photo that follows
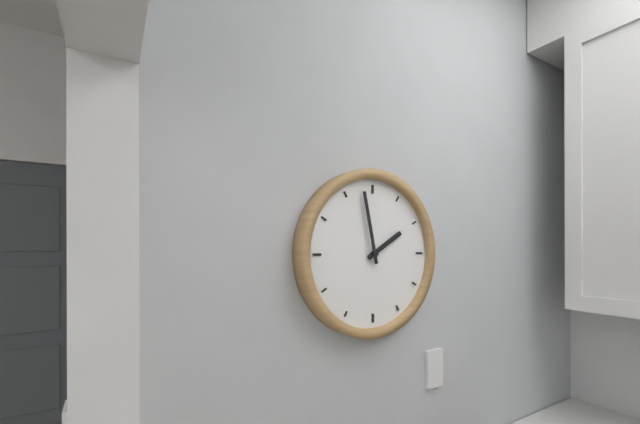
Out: 1:58
